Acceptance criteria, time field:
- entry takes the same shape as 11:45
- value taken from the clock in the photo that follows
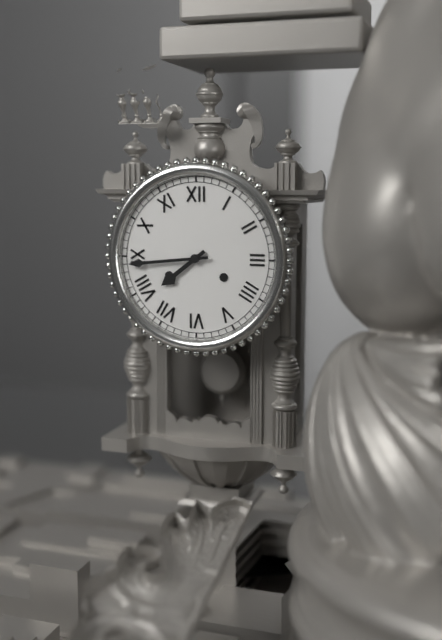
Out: 7:44
